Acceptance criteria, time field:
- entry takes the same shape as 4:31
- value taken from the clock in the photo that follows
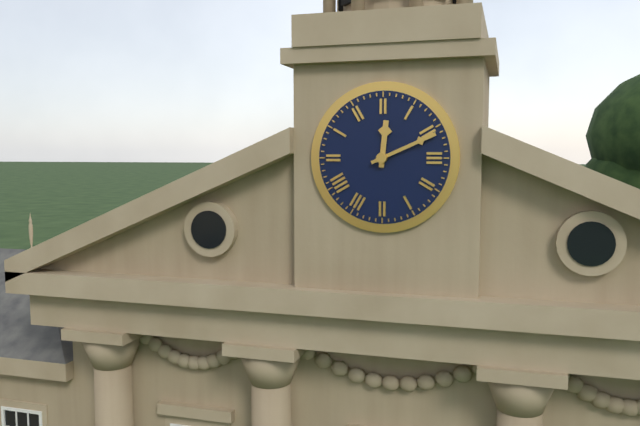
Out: 12:11
